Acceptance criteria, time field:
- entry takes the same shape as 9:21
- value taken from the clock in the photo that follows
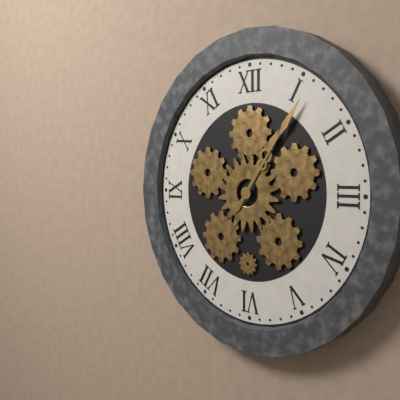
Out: 1:06
